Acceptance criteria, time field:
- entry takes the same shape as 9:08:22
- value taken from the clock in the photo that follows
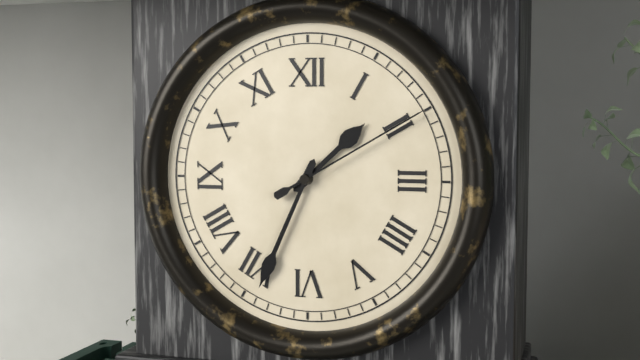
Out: 1:34:10
